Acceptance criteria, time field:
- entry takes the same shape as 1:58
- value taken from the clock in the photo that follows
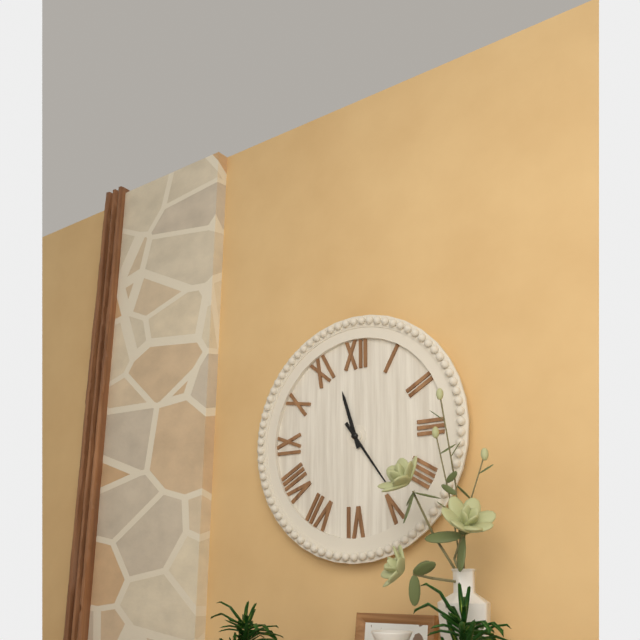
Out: 11:24
